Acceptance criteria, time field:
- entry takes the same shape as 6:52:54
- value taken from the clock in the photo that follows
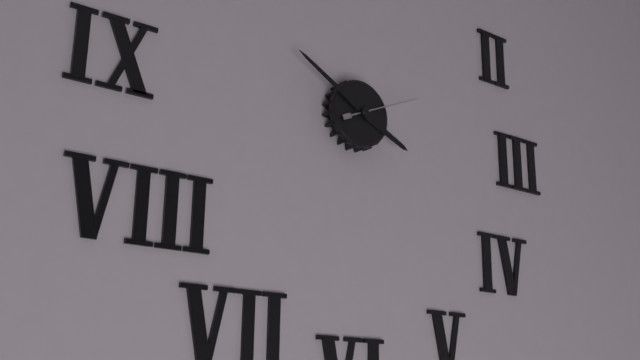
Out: 3:50:11
